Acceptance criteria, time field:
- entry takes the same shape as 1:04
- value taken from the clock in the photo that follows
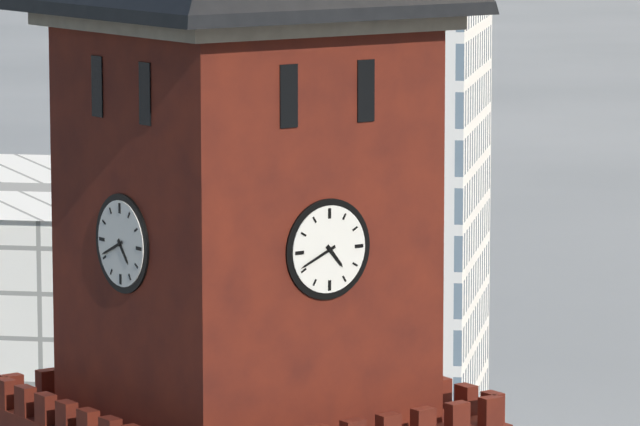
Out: 4:41
